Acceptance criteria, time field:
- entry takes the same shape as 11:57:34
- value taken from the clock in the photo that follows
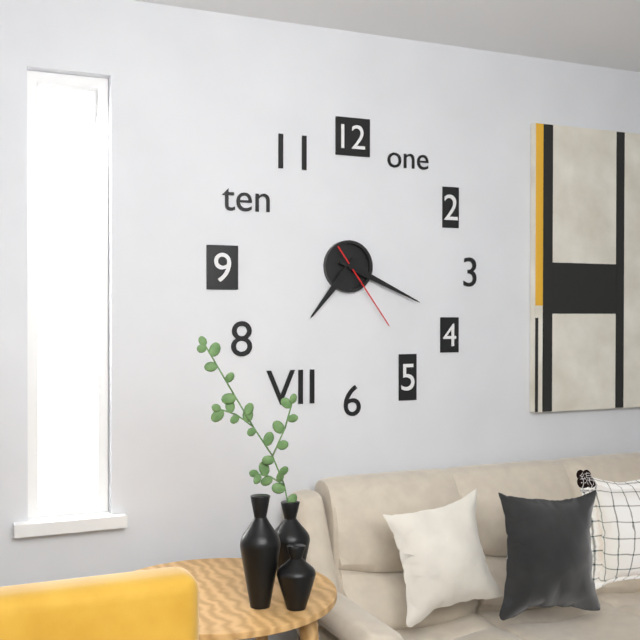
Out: 7:19:24
